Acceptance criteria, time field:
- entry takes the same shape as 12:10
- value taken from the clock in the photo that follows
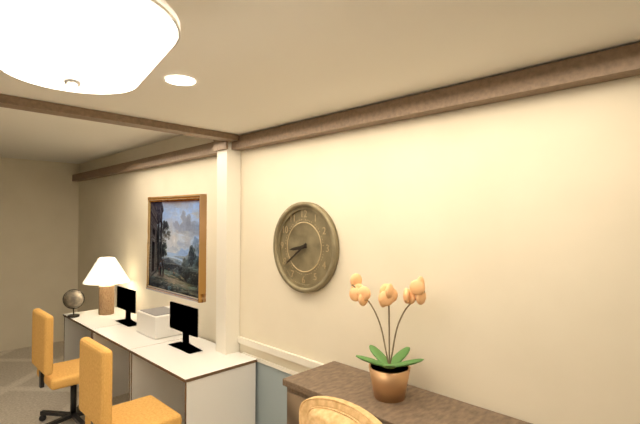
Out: 8:39
